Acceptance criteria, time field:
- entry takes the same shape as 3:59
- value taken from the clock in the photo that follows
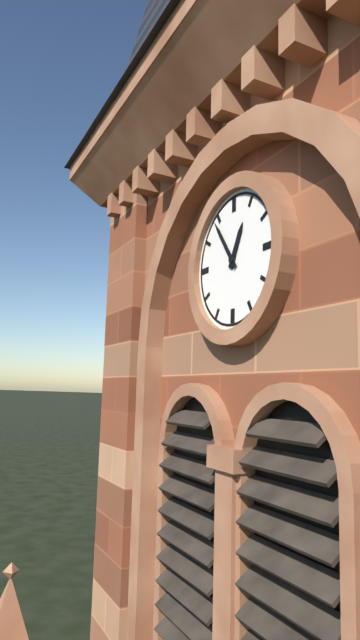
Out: 12:54
